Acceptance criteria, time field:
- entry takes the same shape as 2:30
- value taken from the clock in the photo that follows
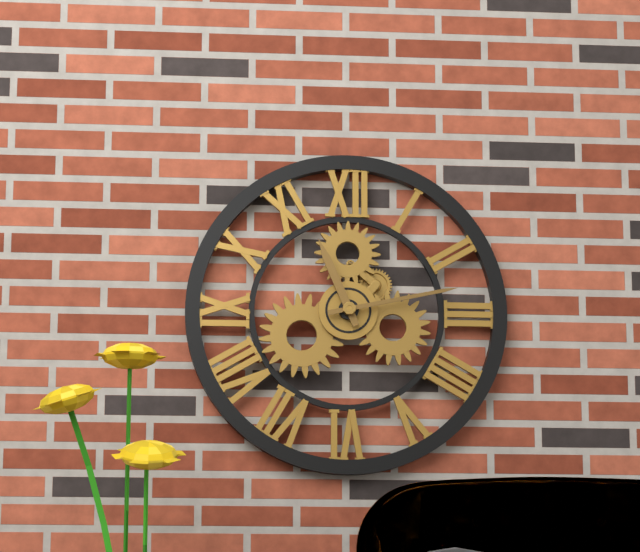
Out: 11:13
